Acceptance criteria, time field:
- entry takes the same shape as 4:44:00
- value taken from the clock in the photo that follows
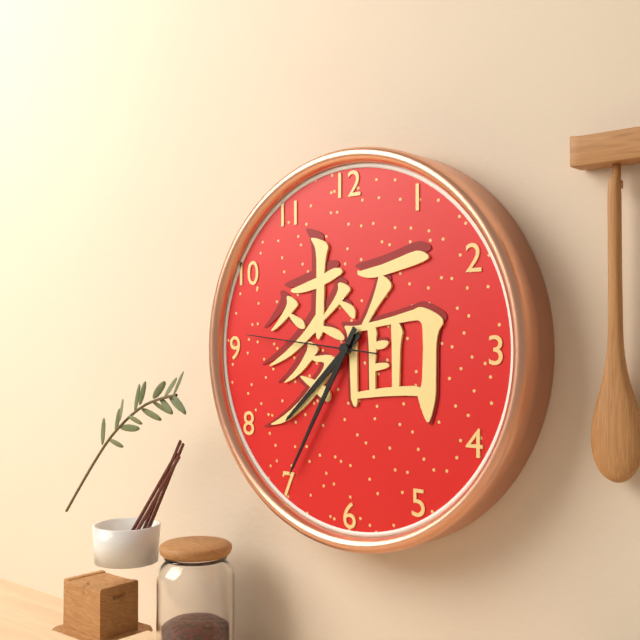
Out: 7:35:46
